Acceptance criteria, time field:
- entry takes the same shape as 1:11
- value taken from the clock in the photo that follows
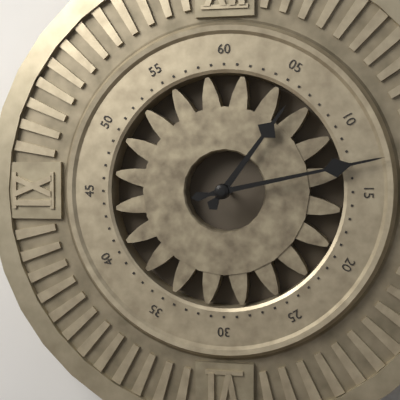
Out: 1:13
